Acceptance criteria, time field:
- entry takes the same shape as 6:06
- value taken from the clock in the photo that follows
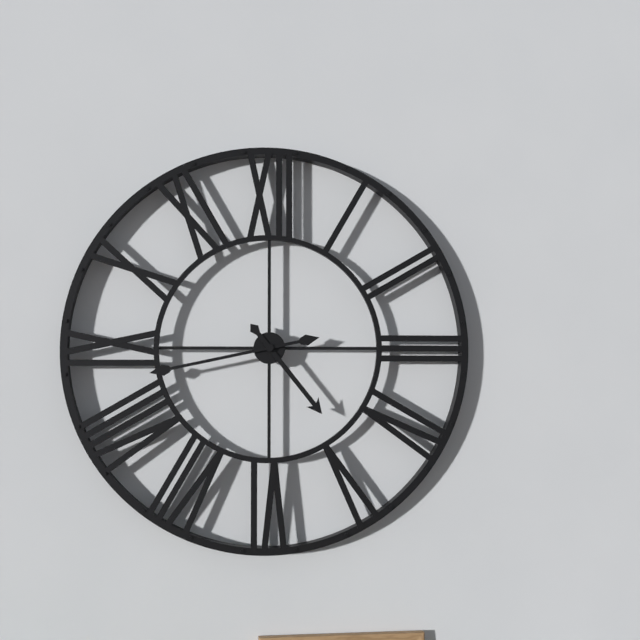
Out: 4:43
